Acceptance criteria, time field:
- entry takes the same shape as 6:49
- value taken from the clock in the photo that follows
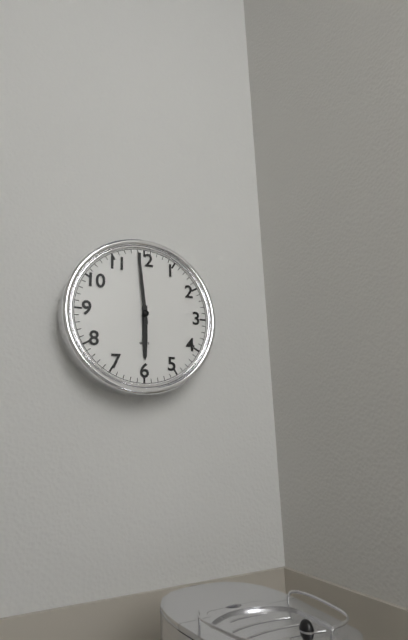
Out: 5:59
